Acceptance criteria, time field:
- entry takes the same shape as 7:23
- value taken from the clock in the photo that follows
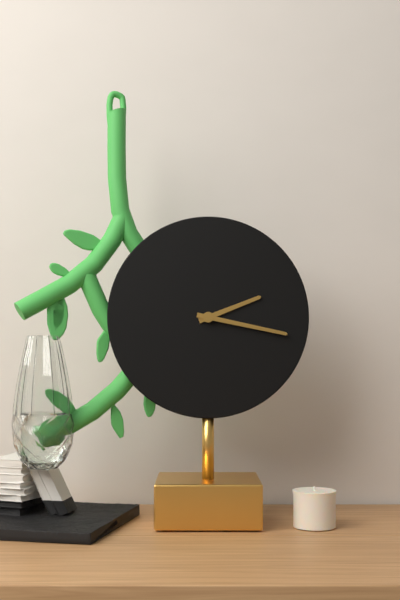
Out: 2:17
